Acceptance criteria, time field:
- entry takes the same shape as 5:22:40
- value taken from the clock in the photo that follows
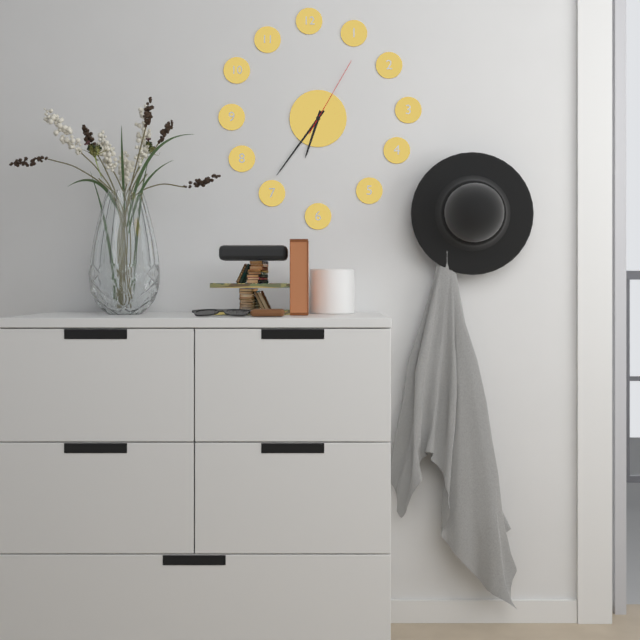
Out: 6:36:05
